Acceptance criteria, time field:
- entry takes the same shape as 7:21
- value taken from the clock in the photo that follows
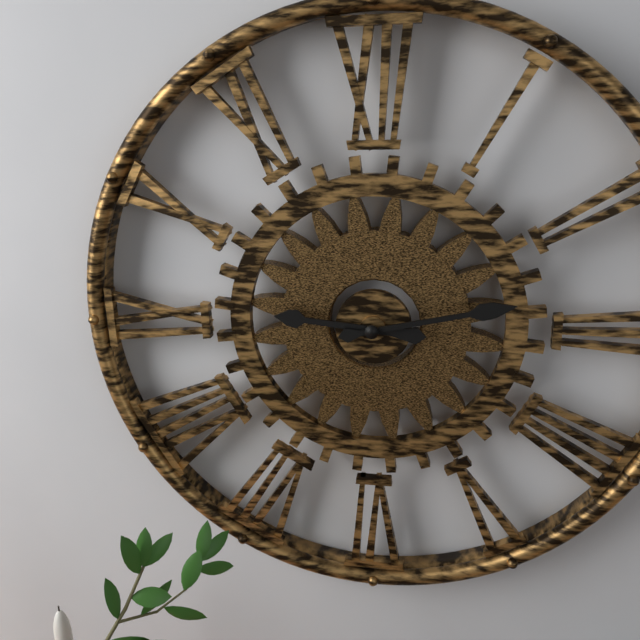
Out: 9:13
